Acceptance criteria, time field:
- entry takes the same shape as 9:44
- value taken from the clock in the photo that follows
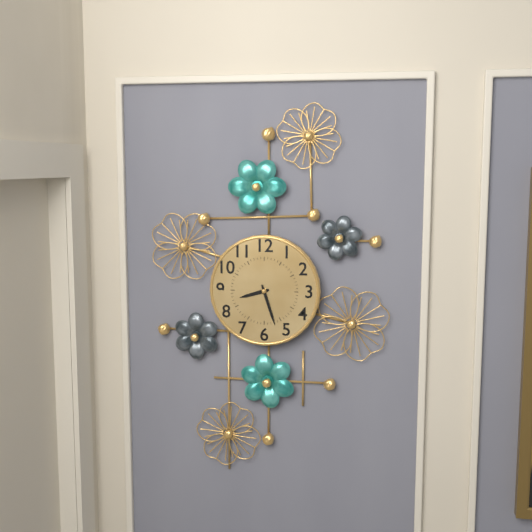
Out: 8:27
